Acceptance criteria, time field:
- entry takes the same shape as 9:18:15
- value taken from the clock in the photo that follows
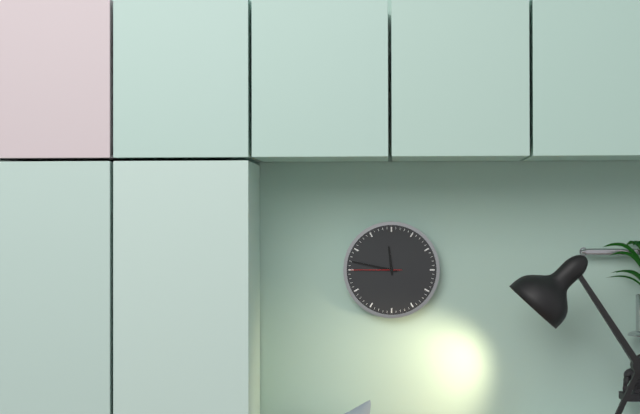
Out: 11:47:45
